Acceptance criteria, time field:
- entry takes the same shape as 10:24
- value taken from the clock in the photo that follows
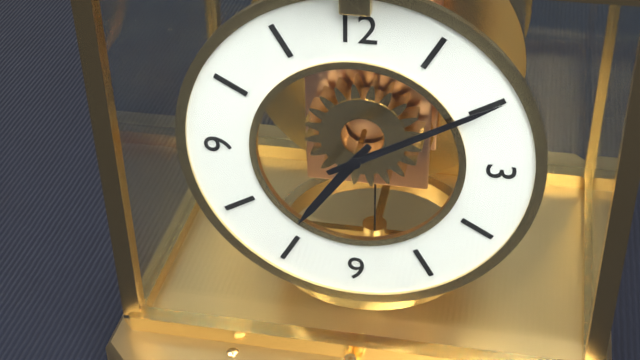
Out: 7:10
